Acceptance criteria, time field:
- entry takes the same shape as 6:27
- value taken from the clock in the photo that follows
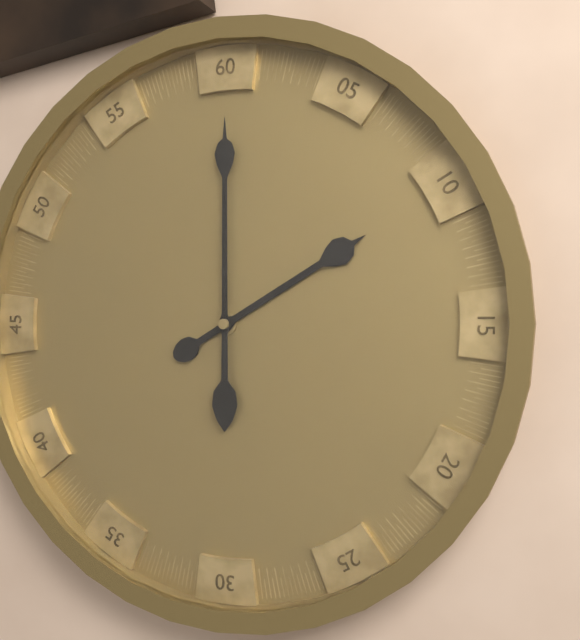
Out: 2:00
